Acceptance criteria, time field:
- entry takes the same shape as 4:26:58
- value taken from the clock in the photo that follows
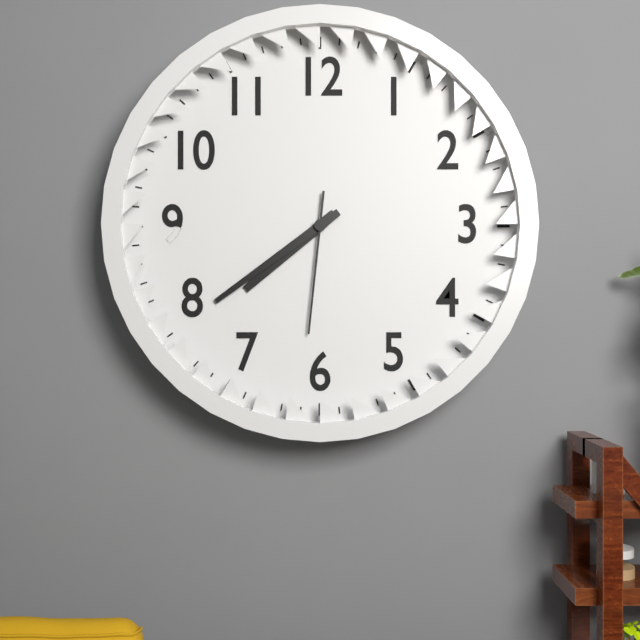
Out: 7:39:31
